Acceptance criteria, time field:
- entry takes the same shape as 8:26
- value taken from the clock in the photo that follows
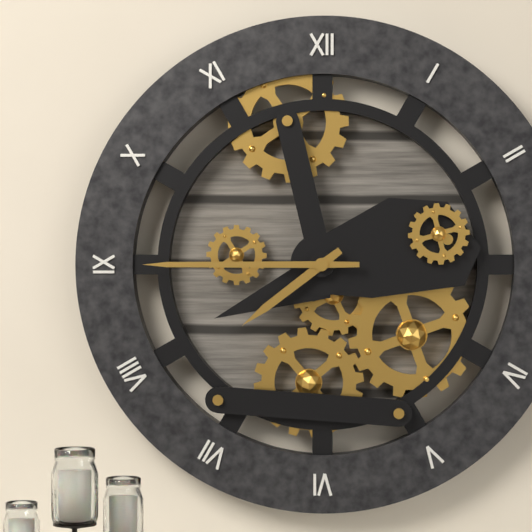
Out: 7:45
